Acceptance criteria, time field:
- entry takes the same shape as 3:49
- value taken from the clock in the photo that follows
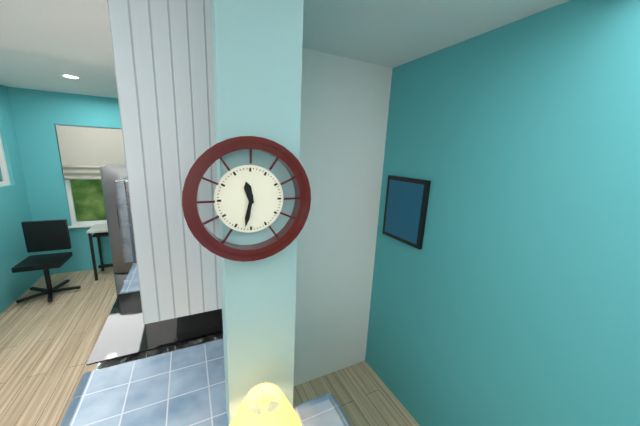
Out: 11:32
